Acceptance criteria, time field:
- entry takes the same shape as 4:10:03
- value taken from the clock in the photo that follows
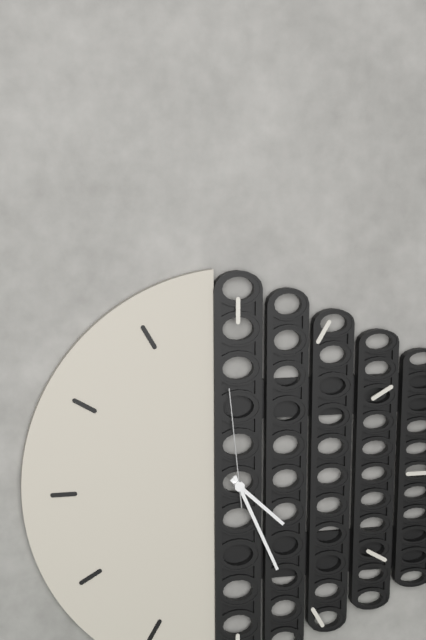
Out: 4:26:59
